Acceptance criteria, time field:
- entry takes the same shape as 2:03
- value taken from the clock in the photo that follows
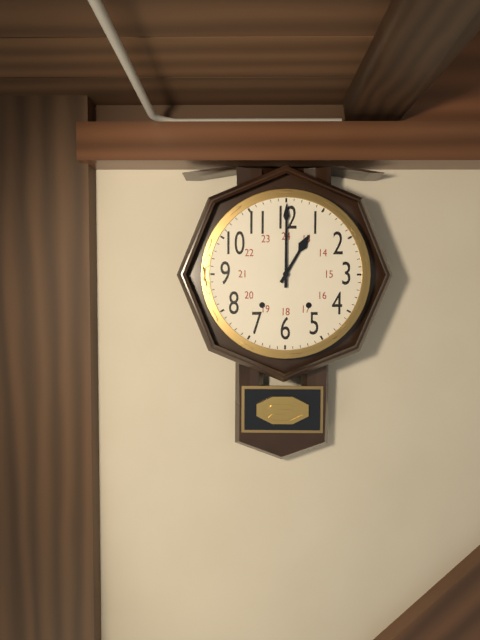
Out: 1:00
